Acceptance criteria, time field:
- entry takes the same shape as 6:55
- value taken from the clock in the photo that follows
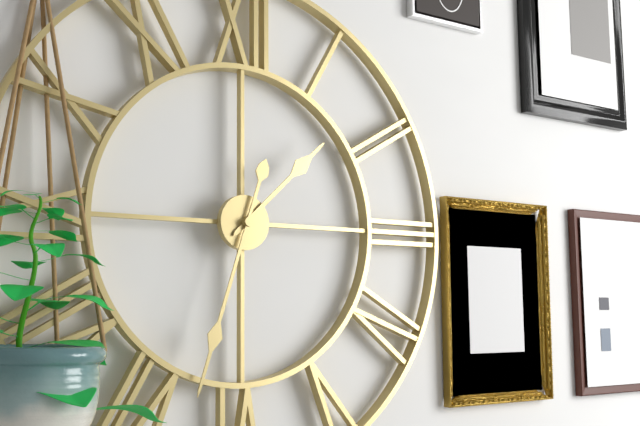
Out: 1:33
